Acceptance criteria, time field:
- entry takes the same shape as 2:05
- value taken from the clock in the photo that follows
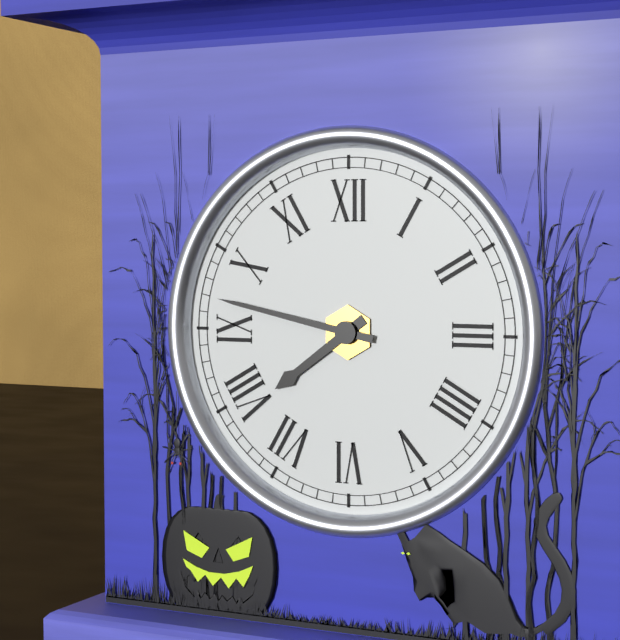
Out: 7:47
